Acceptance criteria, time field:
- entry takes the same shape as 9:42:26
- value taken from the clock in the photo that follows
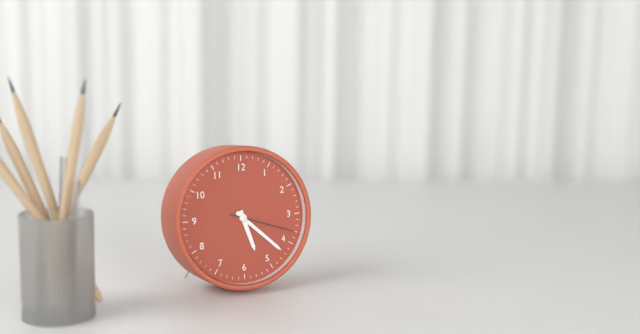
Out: 5:22:18
